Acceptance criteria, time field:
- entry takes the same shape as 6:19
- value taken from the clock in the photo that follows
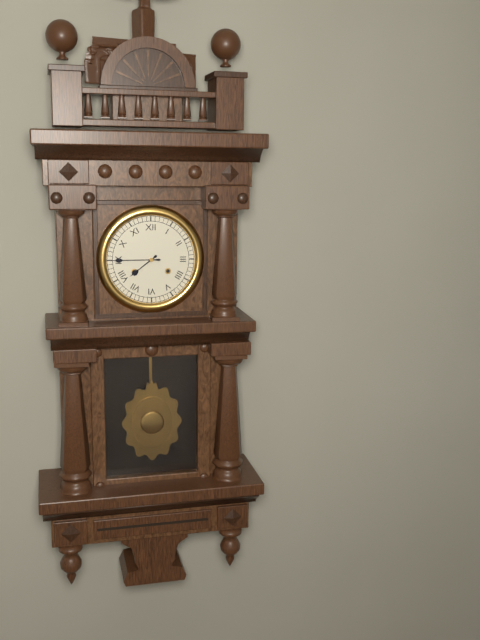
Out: 7:45
